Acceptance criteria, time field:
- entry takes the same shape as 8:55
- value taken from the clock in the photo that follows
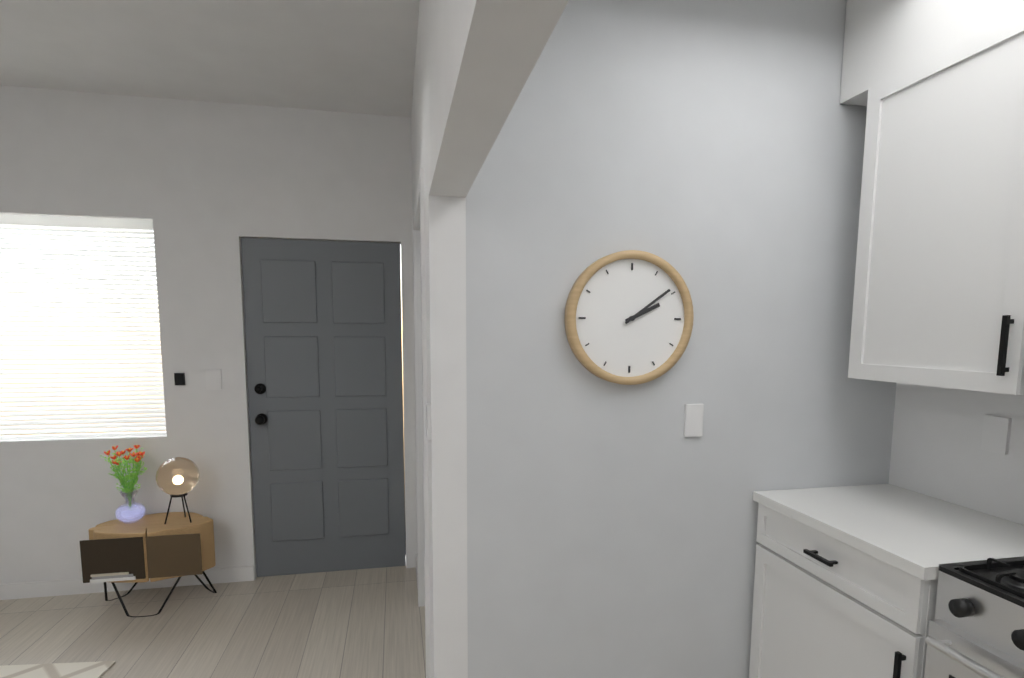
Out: 2:09
